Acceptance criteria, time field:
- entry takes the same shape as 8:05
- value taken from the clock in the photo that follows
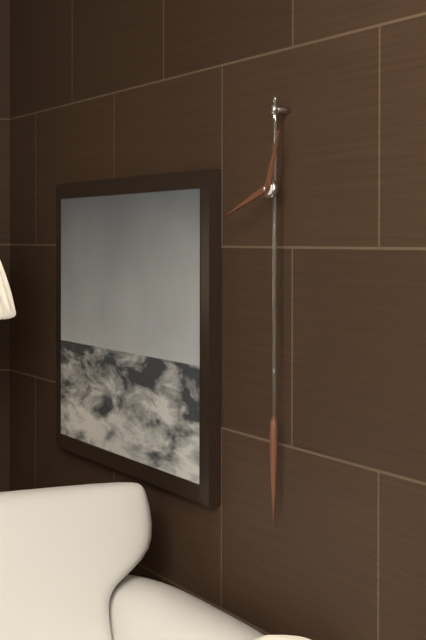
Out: 12:42
